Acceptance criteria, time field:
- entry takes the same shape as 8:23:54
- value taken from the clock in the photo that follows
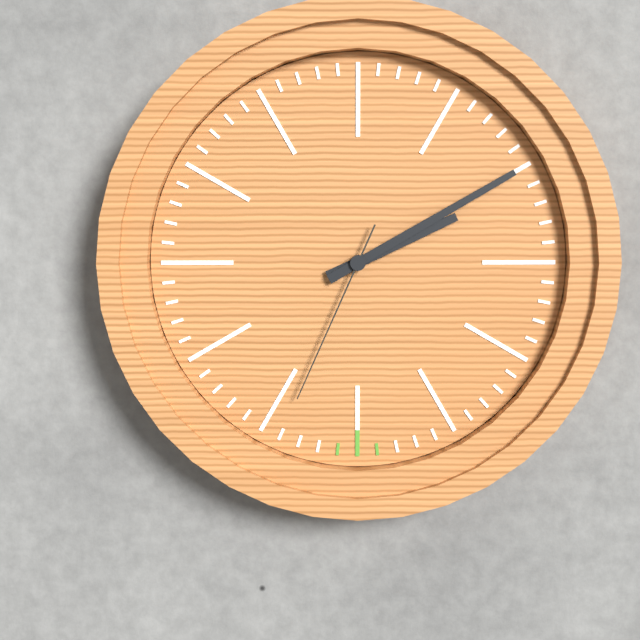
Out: 2:10:34
